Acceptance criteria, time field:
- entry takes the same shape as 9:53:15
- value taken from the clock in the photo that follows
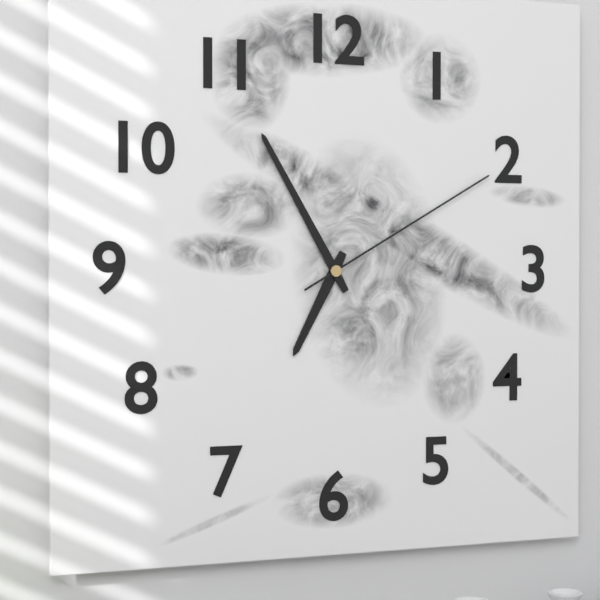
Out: 6:55:10
